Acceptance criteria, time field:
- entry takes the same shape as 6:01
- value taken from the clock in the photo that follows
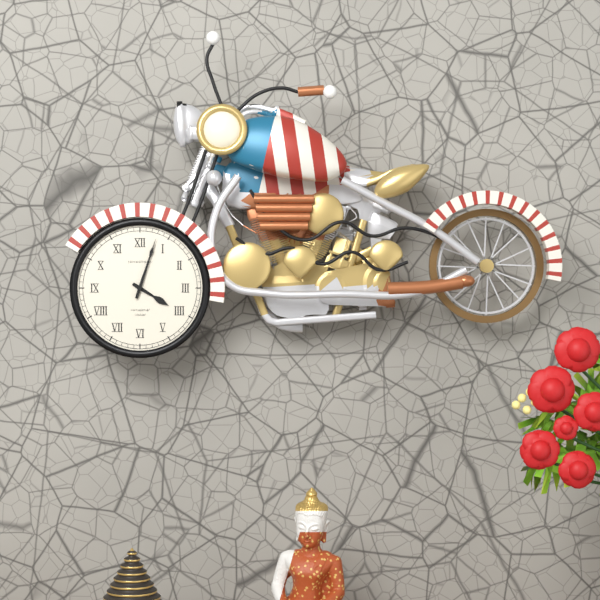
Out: 4:03
